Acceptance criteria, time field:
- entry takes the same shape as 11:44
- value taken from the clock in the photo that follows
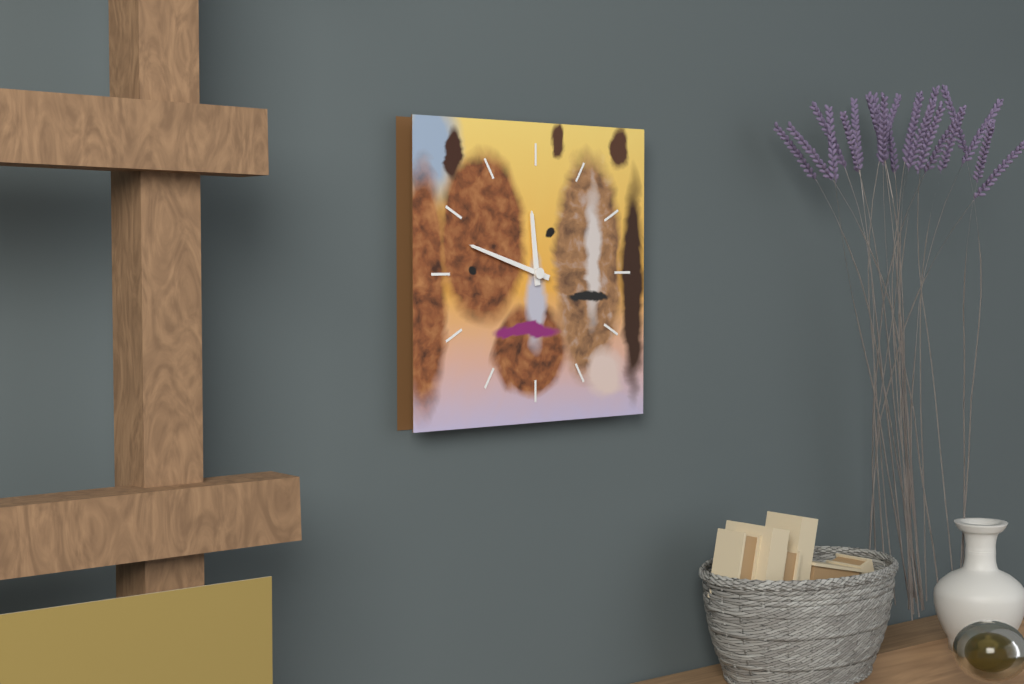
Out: 11:48
